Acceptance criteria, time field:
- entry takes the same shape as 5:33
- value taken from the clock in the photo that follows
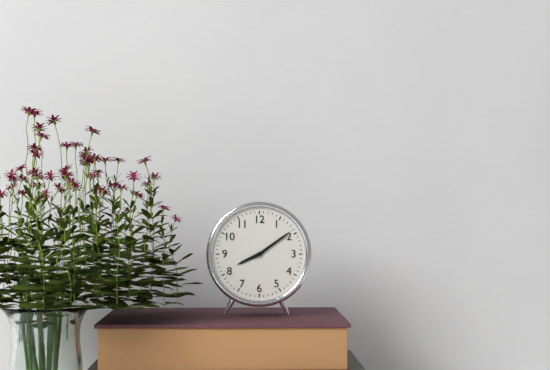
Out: 8:09
